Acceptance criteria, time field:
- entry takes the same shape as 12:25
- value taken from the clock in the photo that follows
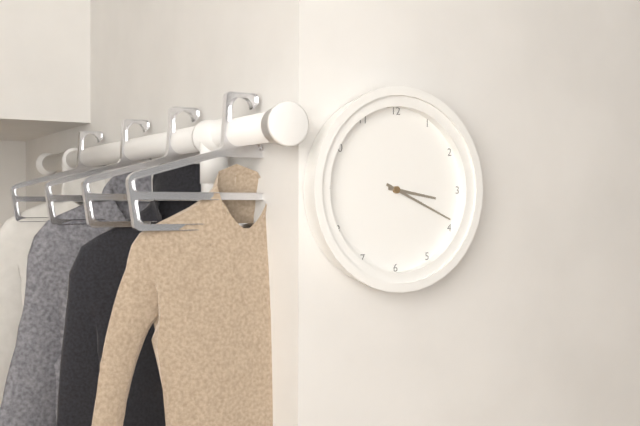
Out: 3:19
